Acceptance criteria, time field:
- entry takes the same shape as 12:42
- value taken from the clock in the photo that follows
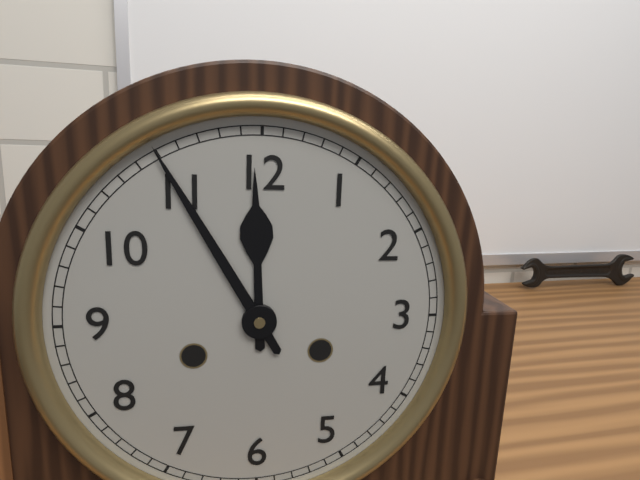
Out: 11:55
